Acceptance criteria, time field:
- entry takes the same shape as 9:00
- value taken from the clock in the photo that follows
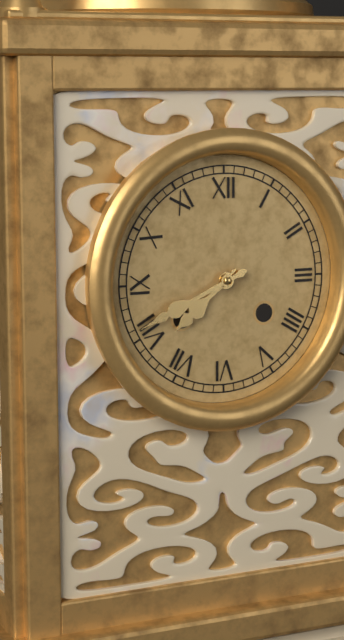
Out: 7:41
